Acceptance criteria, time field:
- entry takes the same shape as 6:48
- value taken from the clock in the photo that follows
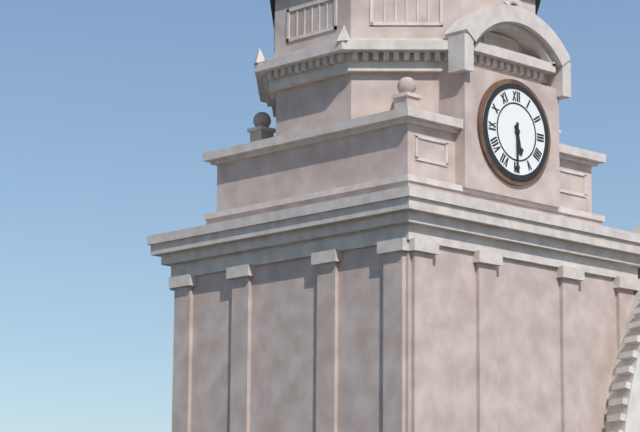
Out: 5:30
